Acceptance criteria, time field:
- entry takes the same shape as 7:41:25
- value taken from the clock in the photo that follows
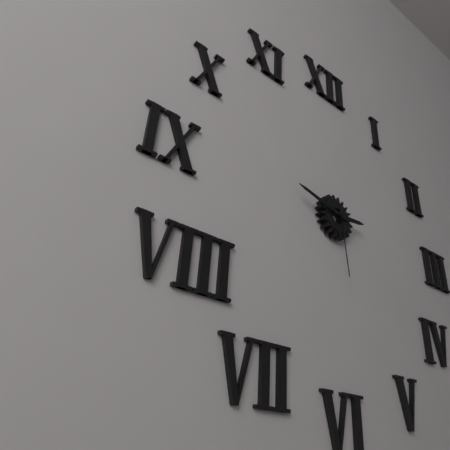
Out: 2:47:29
